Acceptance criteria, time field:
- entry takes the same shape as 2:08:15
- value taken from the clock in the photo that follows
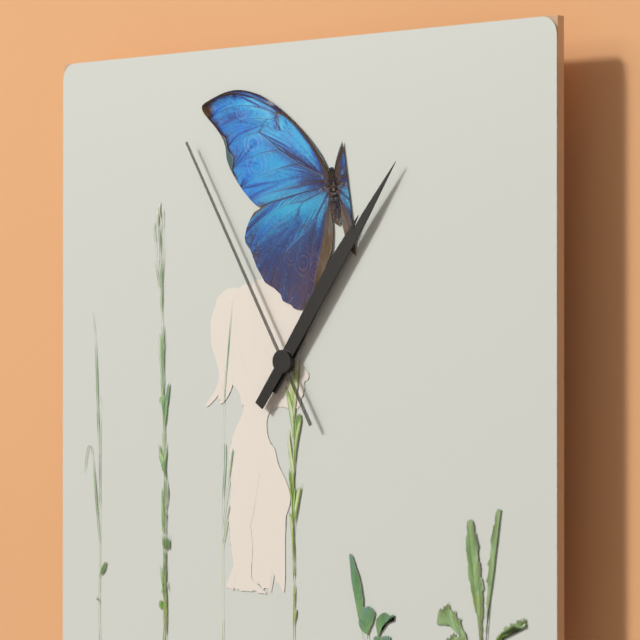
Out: 1:06:55
